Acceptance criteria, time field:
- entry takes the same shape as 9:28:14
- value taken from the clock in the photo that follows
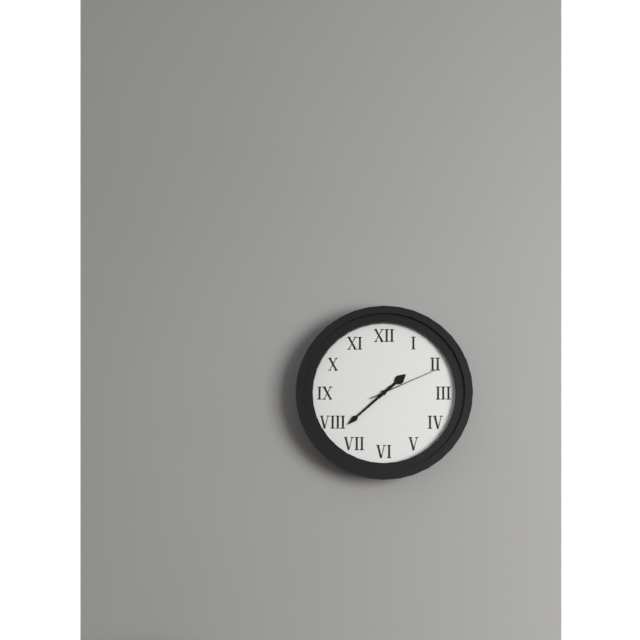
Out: 1:38:11
